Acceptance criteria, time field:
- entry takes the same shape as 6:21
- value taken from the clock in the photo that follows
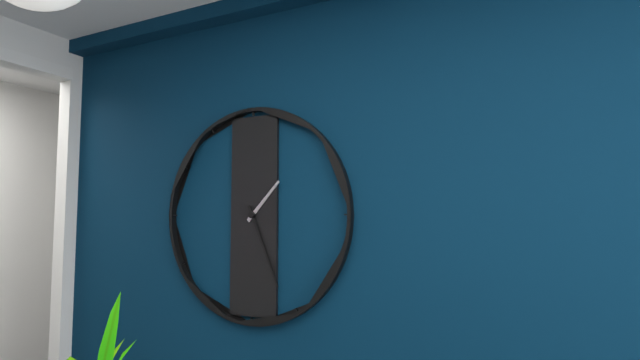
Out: 1:26
